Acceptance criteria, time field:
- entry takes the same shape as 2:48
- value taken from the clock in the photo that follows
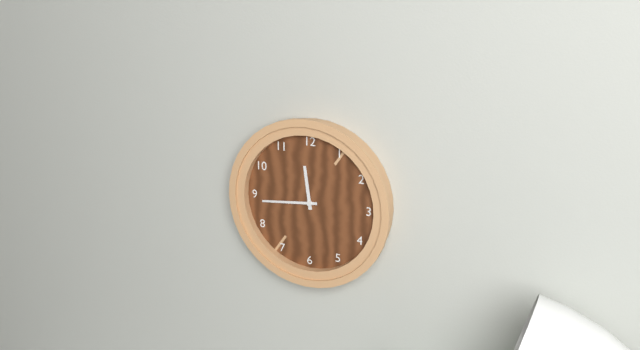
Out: 11:44
